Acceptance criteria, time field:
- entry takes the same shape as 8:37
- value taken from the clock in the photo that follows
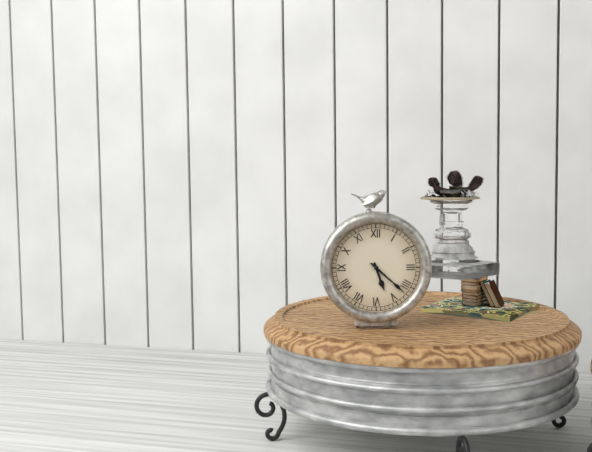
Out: 5:22
